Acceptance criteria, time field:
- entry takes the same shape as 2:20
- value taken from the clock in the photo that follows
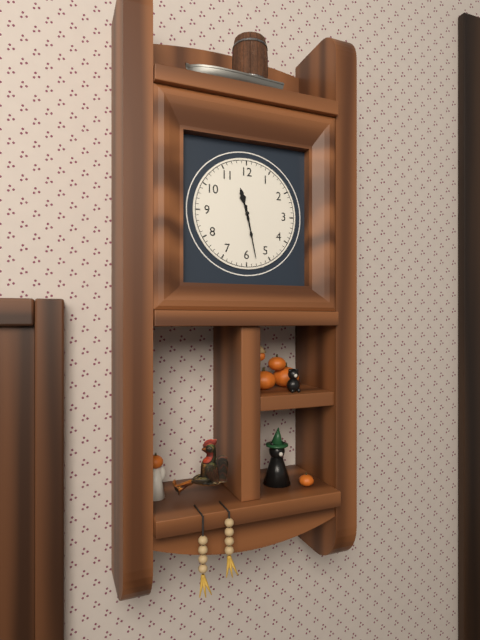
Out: 11:28
